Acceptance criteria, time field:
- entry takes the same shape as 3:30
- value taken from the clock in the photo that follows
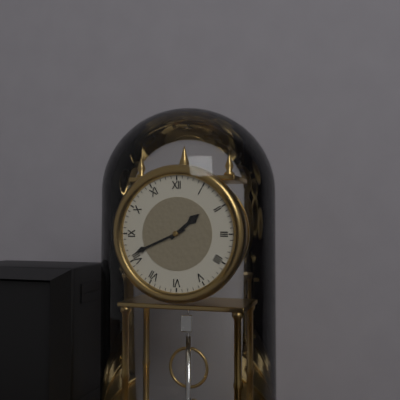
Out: 1:41
